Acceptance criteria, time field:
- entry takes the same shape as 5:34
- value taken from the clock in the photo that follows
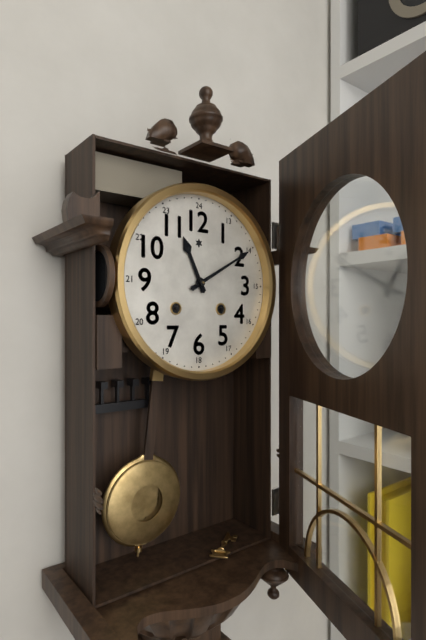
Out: 11:10
